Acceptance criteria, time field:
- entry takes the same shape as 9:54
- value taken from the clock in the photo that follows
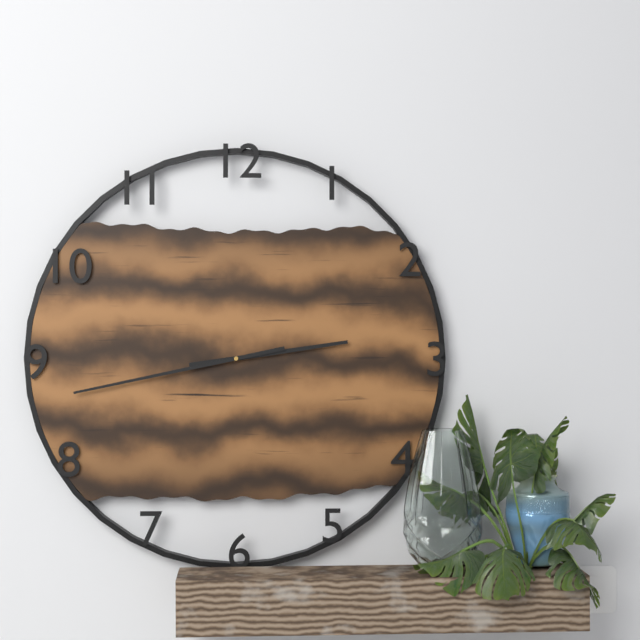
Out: 2:43
